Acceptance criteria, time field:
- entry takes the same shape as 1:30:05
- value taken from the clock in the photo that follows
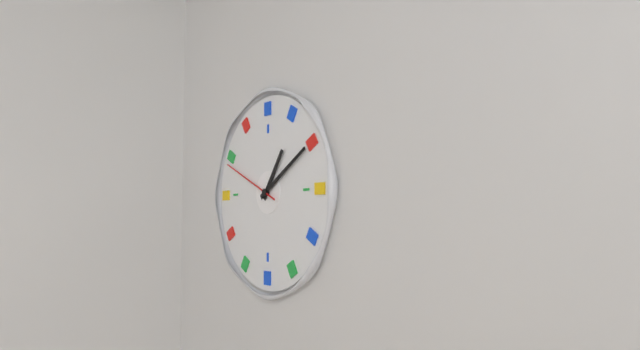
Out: 1:10:49
